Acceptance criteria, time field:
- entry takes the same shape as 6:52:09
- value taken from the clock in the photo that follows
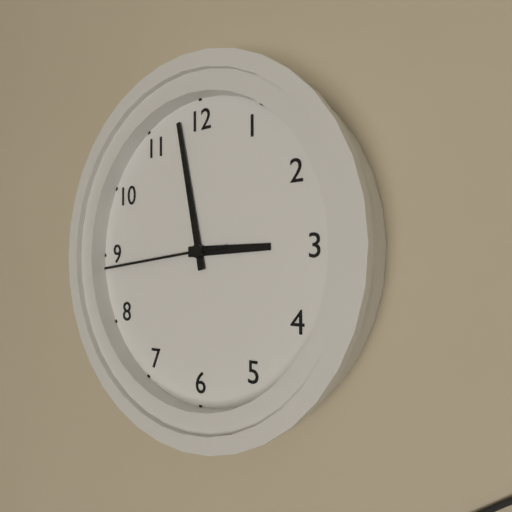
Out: 2:58:44
